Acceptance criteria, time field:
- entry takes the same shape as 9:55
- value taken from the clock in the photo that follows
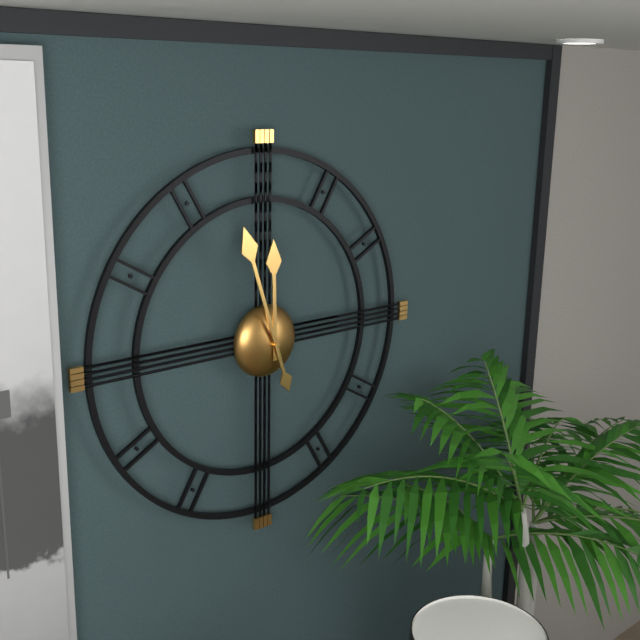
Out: 11:57
